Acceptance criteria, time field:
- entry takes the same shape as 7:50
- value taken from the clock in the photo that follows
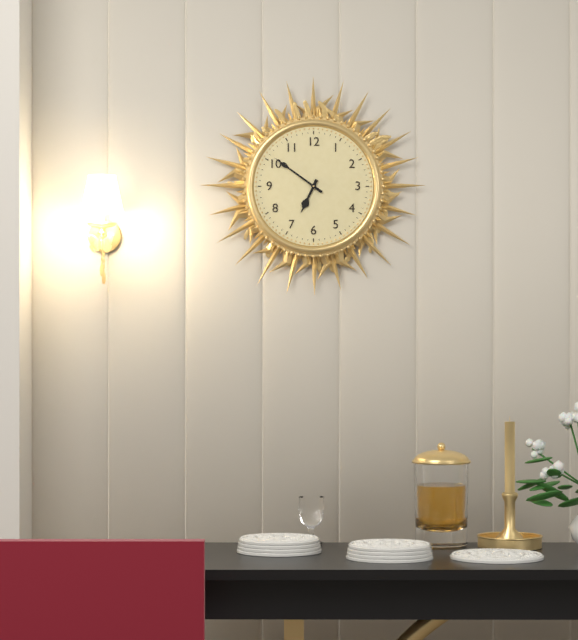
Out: 6:51
